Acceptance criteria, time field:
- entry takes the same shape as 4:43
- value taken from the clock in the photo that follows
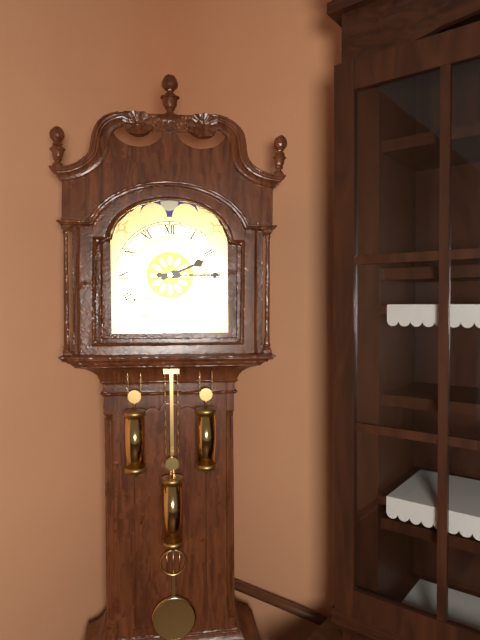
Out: 2:15
